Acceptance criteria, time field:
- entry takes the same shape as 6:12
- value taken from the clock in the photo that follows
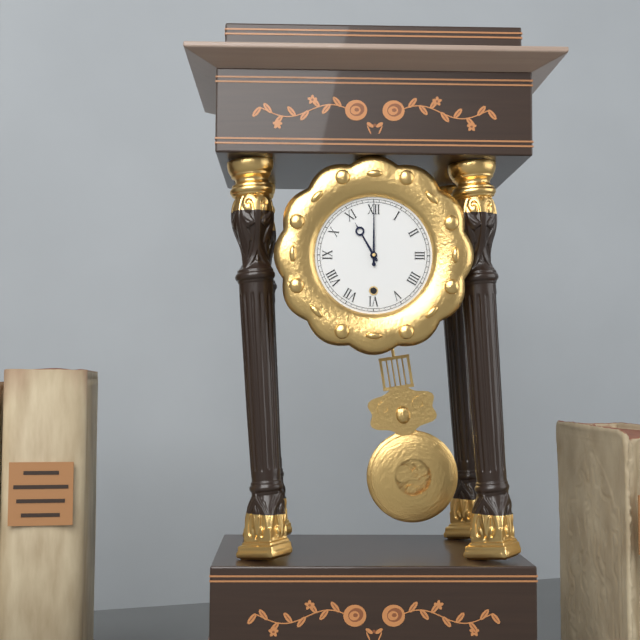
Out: 11:00
